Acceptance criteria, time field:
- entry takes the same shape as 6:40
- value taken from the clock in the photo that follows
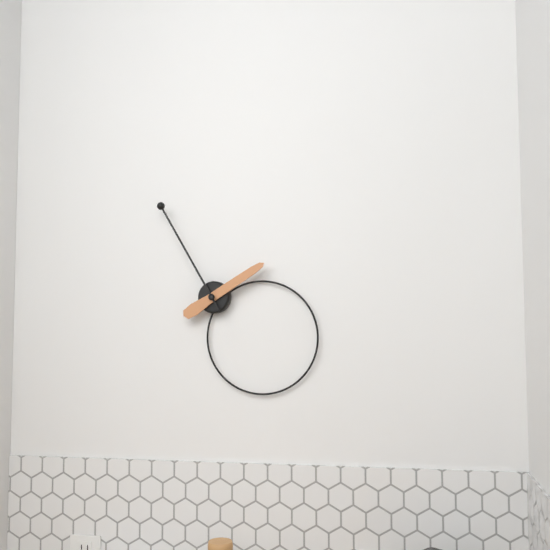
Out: 1:55
